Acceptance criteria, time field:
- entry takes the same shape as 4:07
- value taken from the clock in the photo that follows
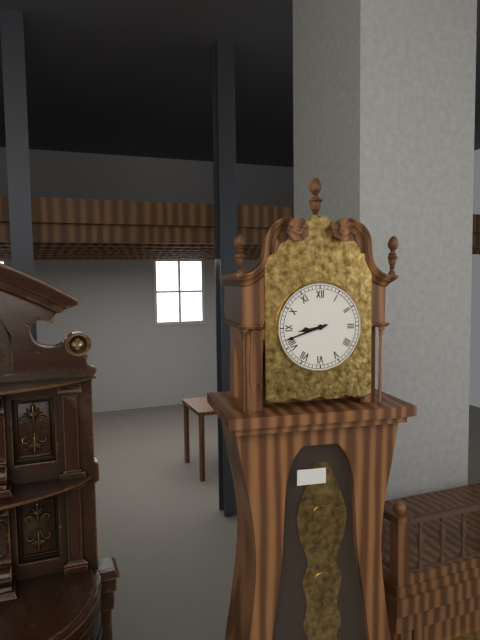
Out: 8:42
